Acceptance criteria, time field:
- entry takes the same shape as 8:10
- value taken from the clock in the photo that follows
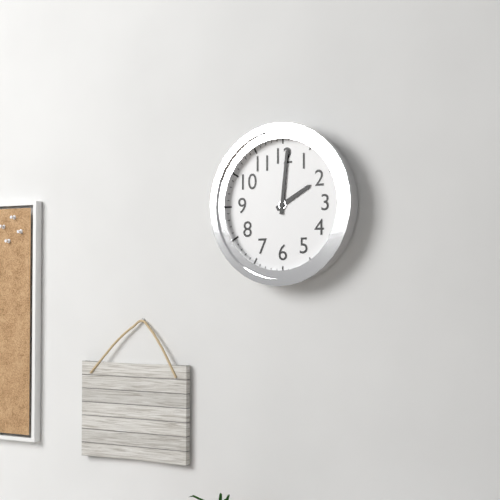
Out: 2:01
